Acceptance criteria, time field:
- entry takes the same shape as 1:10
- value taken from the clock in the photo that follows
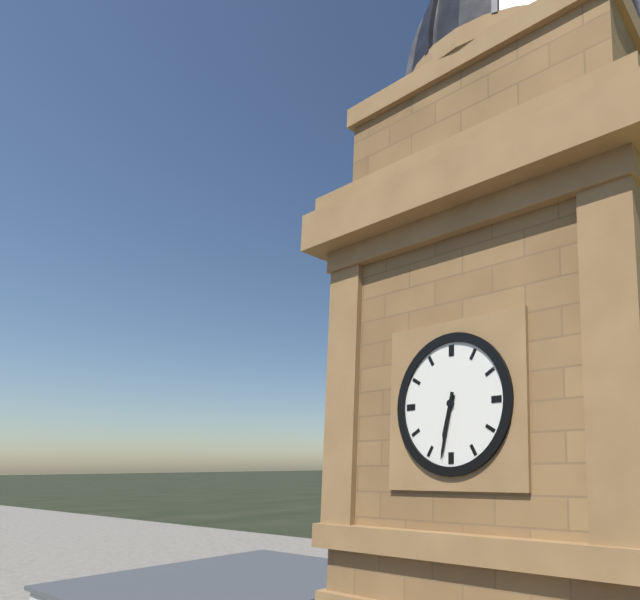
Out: 6:32
